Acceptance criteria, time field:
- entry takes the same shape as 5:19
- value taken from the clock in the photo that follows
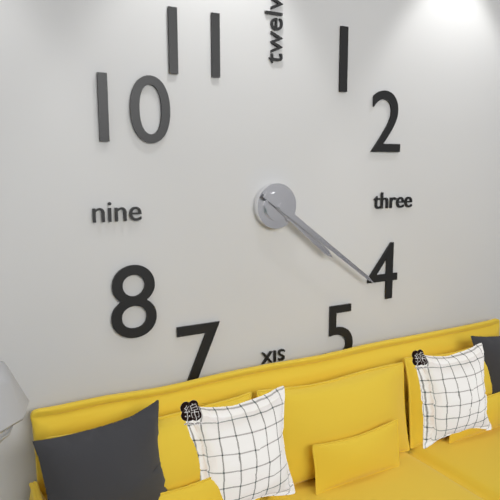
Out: 4:21
